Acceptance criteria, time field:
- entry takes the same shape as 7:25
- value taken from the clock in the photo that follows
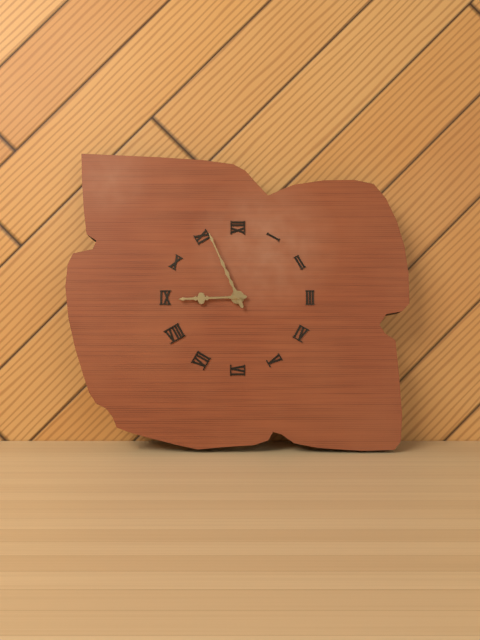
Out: 8:56
